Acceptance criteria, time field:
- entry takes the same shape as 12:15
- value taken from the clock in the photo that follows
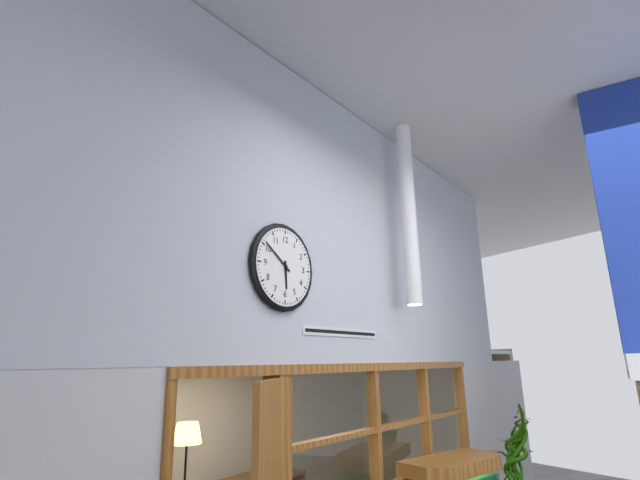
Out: 5:51
